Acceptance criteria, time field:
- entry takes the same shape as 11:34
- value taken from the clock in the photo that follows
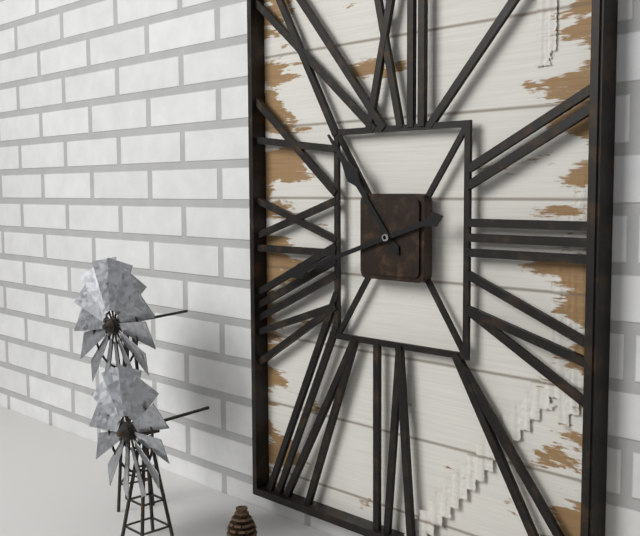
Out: 10:42
